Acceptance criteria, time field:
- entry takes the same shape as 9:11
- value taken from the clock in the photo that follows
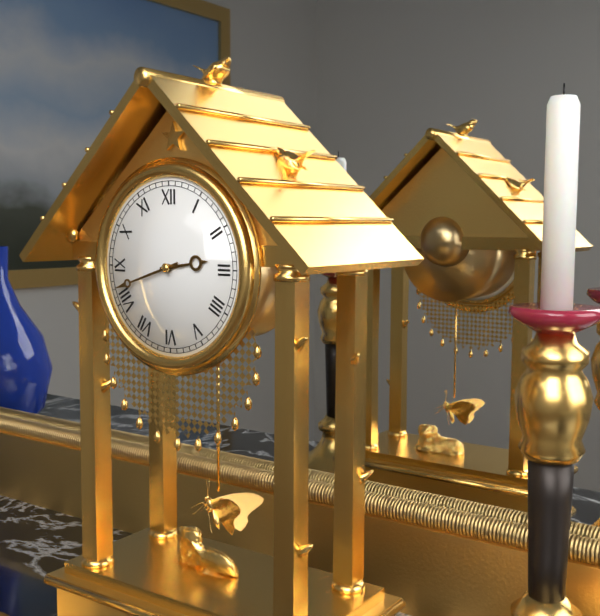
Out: 2:42
